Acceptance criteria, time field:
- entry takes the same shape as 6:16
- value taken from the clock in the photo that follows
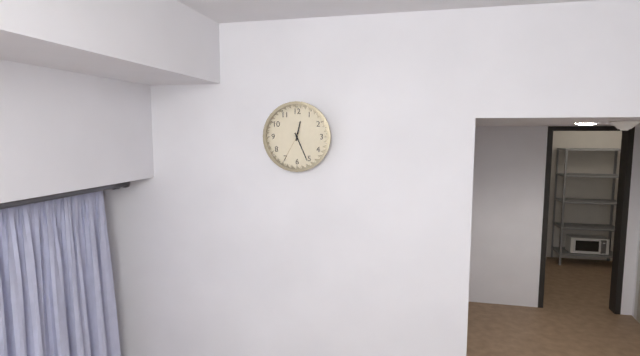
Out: 12:26
